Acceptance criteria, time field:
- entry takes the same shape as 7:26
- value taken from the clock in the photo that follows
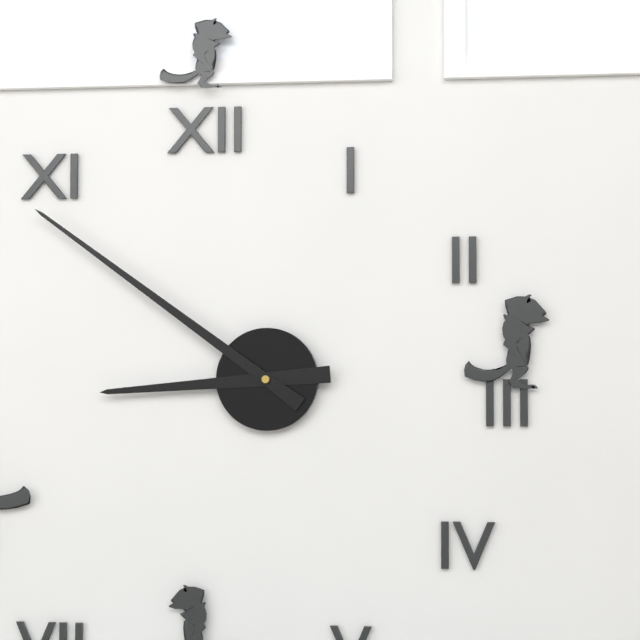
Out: 8:51
